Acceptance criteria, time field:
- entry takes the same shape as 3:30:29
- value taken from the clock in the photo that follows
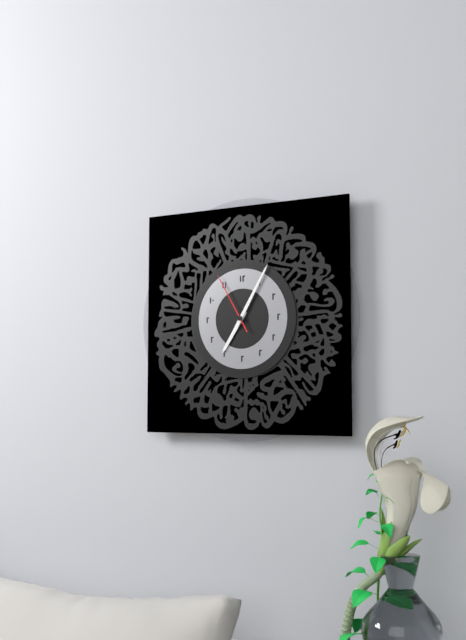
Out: 7:05:55
